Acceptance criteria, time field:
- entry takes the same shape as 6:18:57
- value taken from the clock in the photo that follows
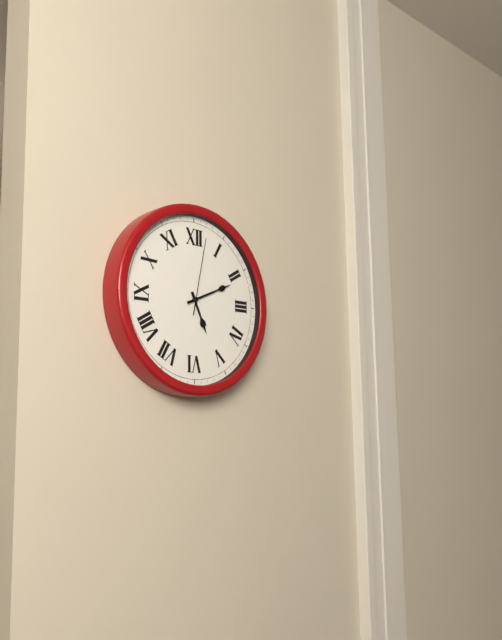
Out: 5:11:02
